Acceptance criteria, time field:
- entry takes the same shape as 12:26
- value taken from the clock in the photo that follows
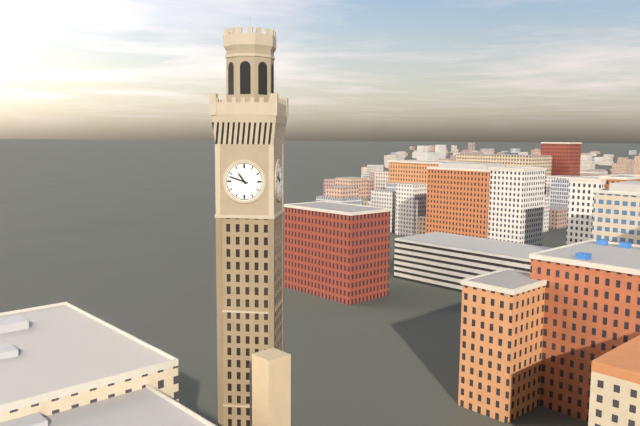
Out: 10:48
